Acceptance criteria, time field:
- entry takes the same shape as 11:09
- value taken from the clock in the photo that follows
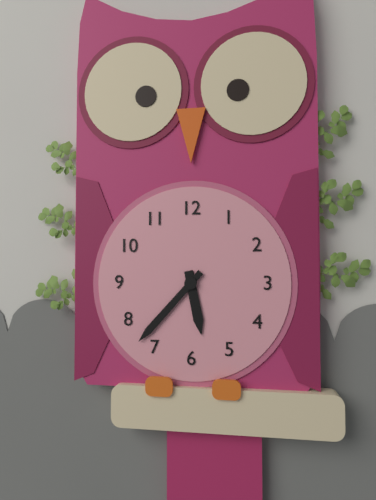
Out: 5:37
